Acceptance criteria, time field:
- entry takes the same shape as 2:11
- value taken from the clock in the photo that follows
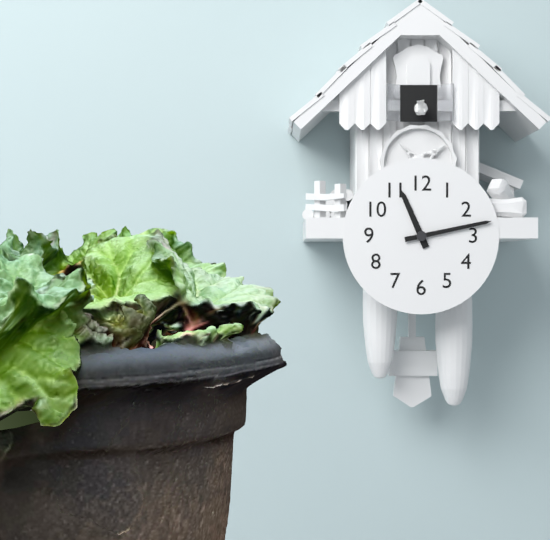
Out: 11:13
